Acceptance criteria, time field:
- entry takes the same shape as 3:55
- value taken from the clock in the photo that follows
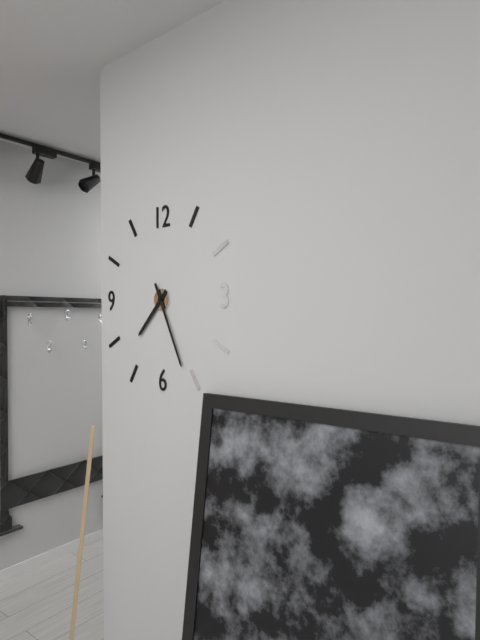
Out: 7:26
